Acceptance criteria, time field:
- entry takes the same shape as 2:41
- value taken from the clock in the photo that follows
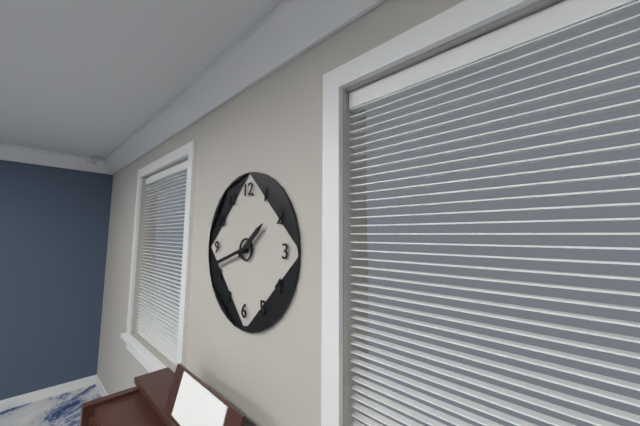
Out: 1:42
